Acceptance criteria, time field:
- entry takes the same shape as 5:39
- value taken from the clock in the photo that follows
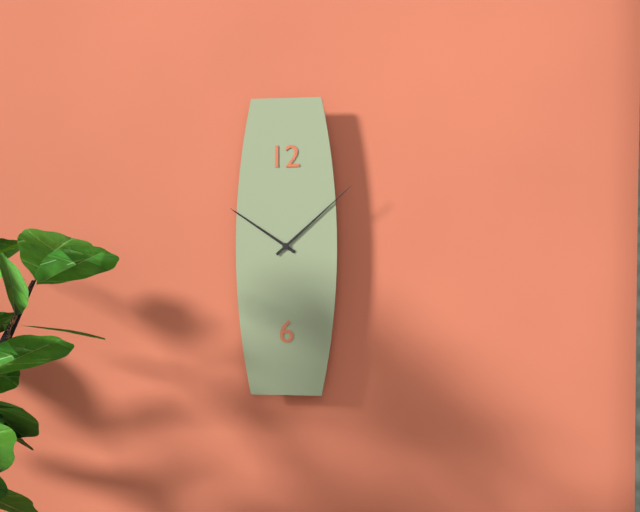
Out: 10:08
